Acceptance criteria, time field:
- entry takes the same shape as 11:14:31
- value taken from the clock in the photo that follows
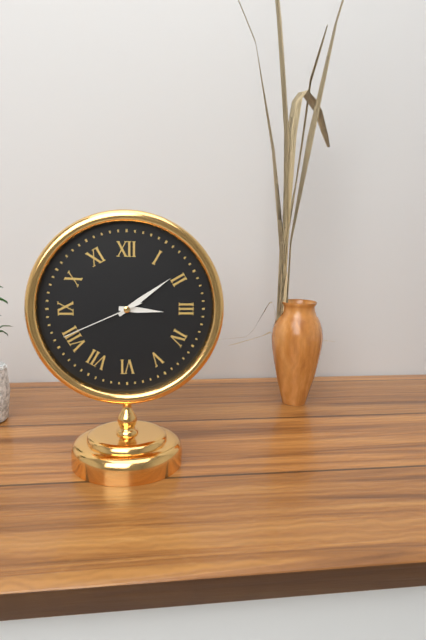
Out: 3:09:41
